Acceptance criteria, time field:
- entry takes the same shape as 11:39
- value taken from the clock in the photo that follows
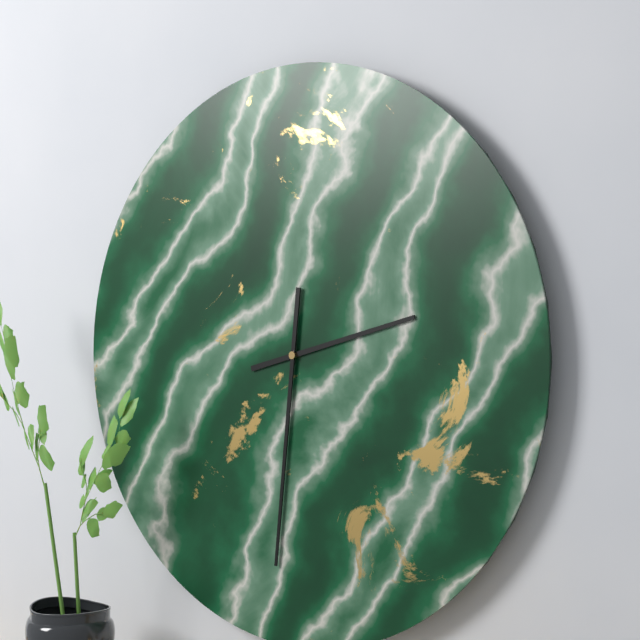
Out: 2:31
